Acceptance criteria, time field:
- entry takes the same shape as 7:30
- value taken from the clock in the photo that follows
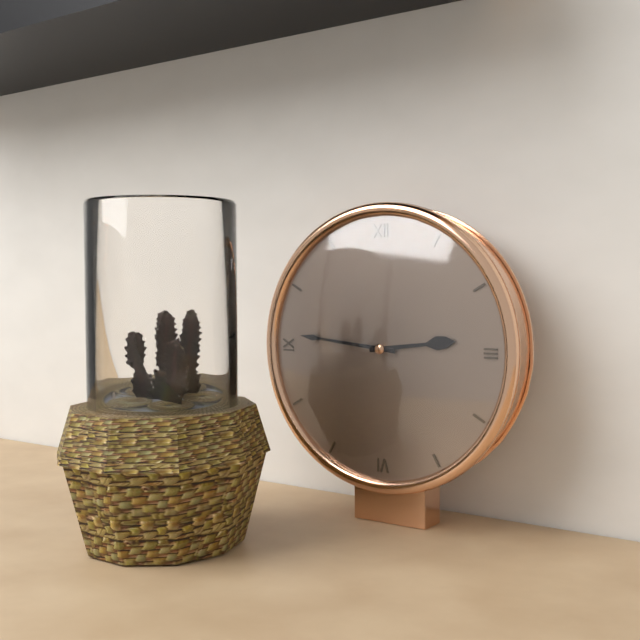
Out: 2:46
